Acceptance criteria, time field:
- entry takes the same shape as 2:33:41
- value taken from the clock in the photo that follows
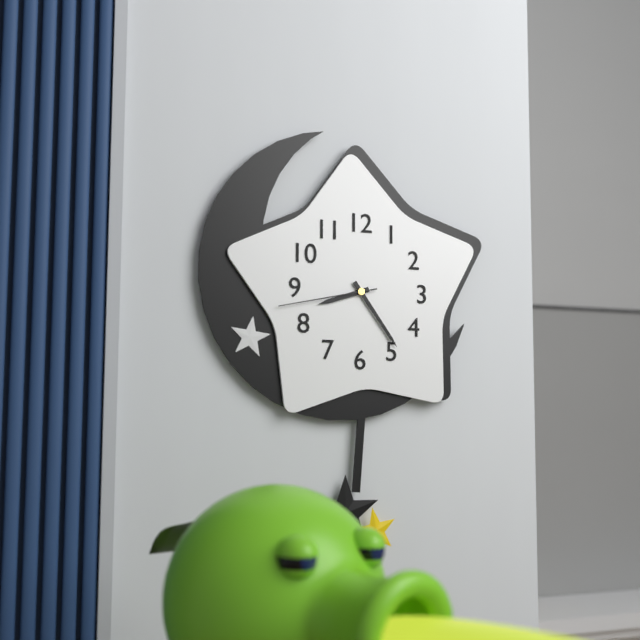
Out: 8:24:43
